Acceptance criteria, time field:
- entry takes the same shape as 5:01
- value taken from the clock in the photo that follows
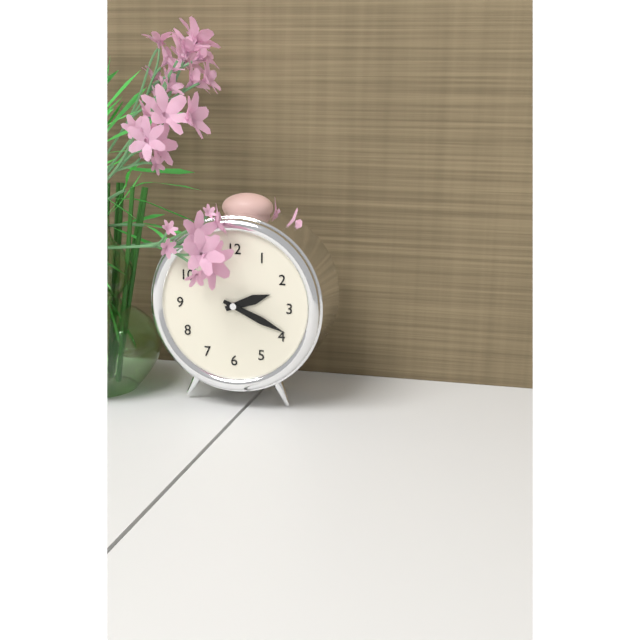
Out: 2:19
